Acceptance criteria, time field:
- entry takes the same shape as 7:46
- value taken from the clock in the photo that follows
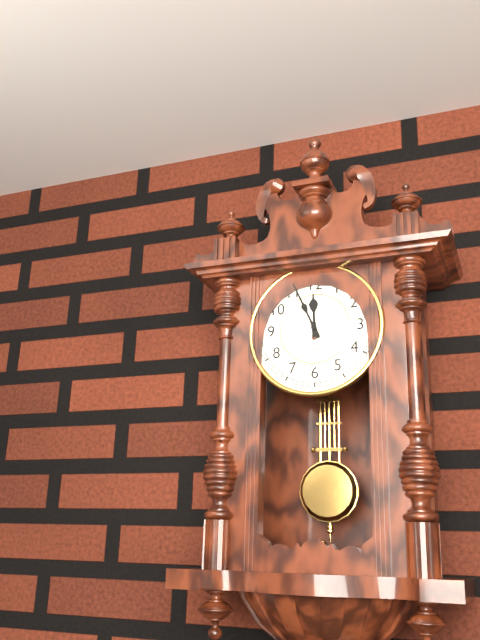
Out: 11:56
